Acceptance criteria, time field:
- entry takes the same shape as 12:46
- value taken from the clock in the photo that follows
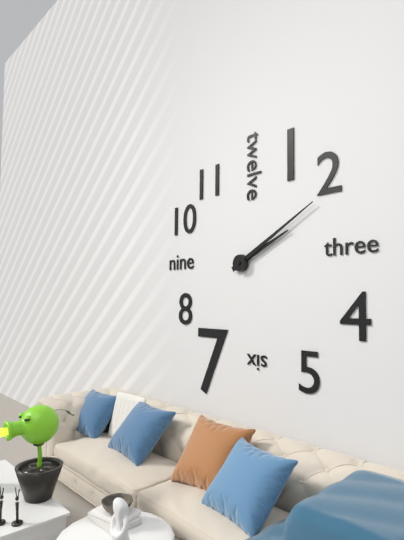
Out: 2:10
